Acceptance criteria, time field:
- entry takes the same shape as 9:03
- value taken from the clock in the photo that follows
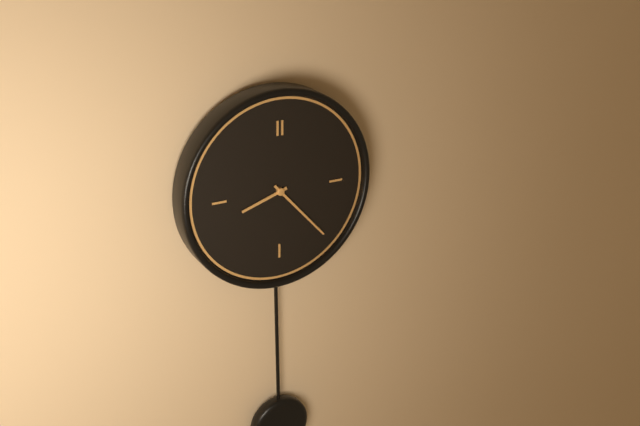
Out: 8:23
